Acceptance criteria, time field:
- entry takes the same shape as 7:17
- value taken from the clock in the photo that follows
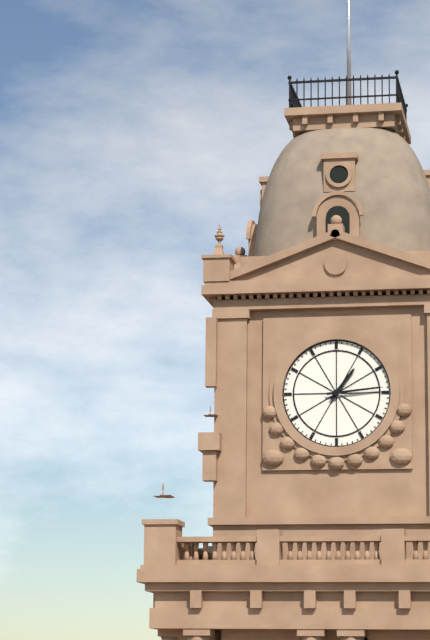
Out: 1:14
